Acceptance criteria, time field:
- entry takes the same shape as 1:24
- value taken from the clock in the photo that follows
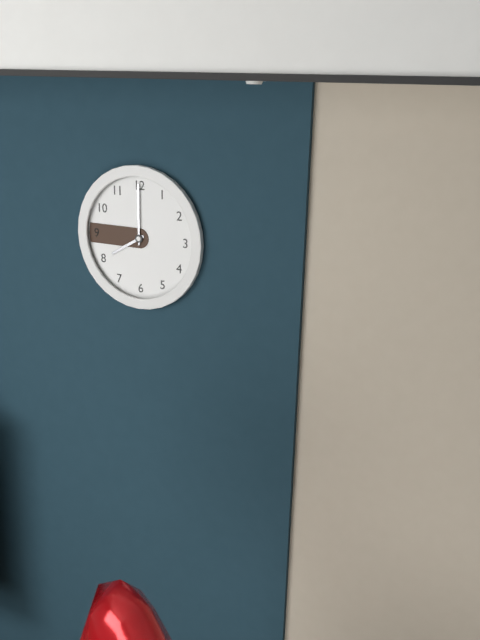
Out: 8:00
